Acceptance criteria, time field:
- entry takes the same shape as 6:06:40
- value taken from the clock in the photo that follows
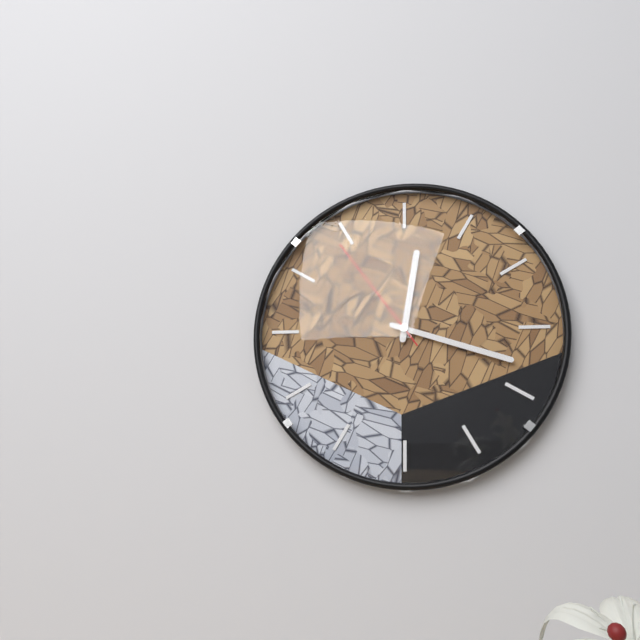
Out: 12:18:54
